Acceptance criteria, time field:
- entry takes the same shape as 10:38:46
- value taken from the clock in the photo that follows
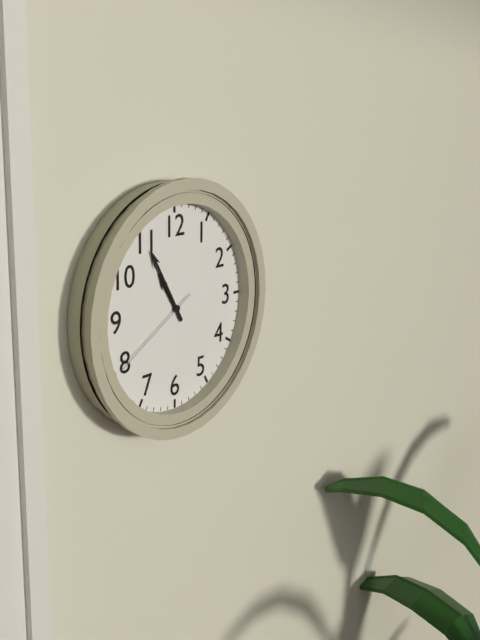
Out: 10:55:40
